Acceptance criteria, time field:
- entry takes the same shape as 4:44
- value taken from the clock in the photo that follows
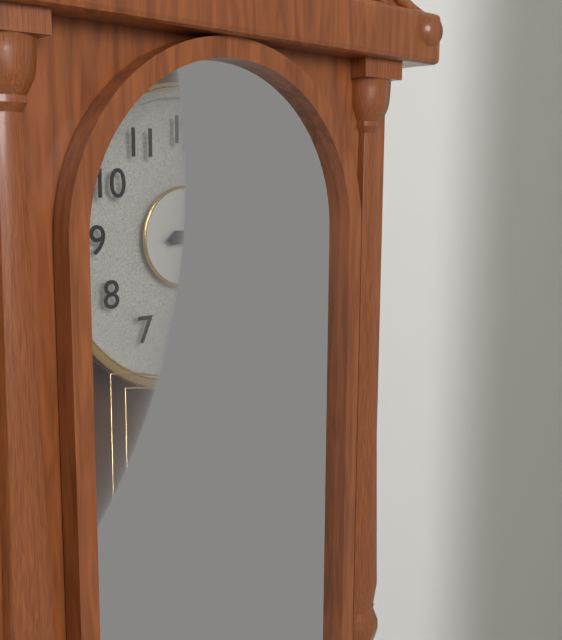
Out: 3:14
